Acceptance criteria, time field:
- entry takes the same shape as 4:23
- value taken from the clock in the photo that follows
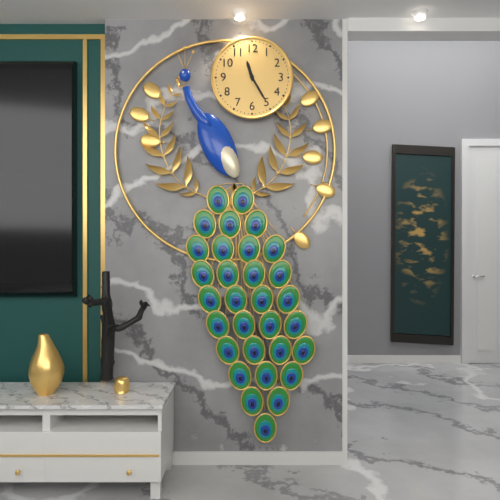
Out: 11:25
